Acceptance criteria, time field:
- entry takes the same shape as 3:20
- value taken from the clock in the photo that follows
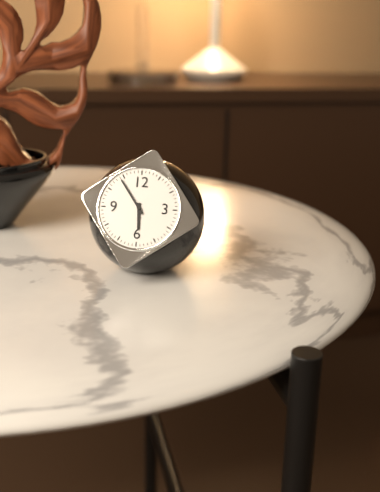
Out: 5:54
